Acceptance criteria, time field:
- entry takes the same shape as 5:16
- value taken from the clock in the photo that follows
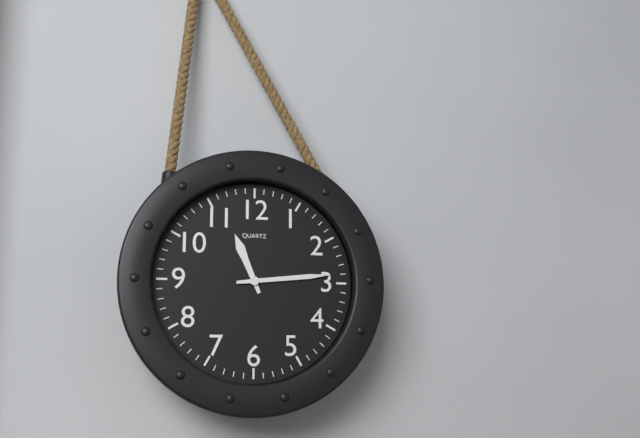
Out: 11:14
